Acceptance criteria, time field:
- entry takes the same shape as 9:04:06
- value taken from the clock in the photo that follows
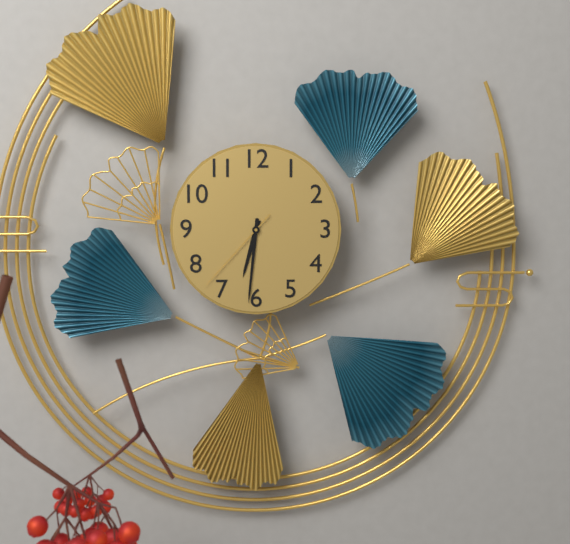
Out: 6:31:37
